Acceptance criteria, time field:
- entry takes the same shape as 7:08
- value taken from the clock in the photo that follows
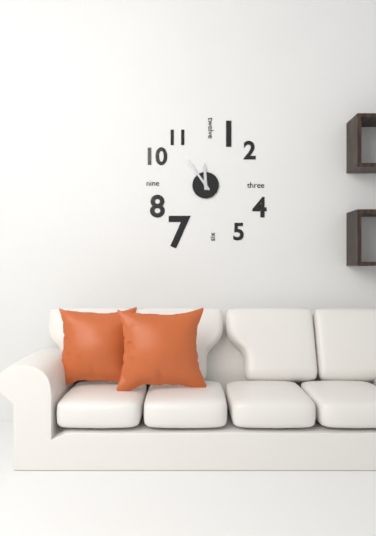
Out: 11:54
